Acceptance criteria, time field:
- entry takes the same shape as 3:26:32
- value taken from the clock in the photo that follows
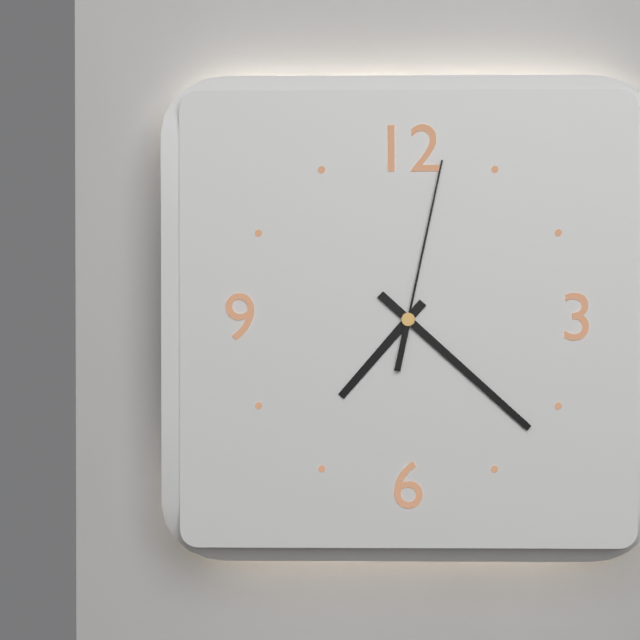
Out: 7:22:02
